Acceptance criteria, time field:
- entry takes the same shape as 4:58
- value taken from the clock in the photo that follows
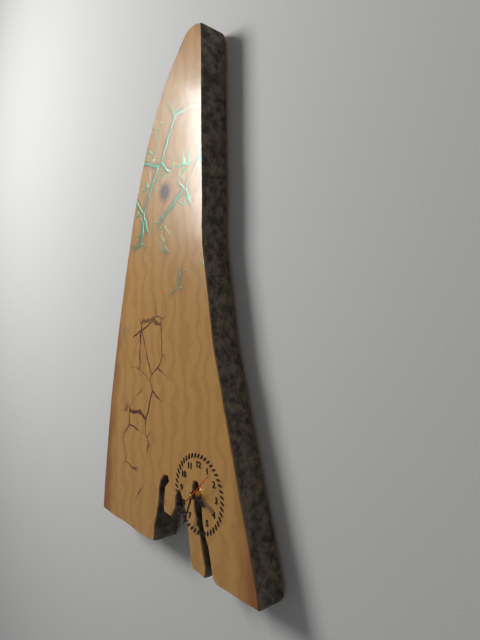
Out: 3:34
